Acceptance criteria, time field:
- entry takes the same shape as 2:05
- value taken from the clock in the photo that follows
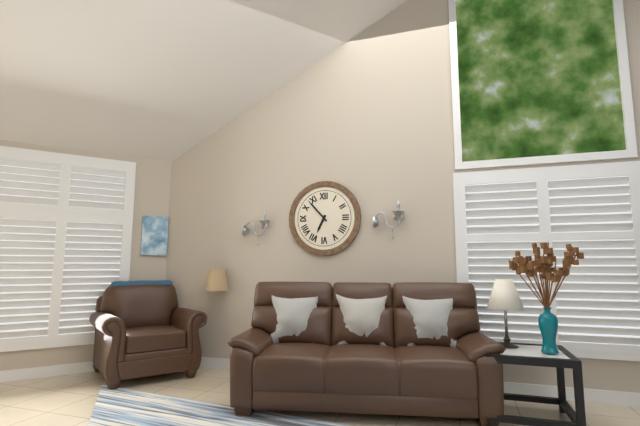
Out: 6:53
